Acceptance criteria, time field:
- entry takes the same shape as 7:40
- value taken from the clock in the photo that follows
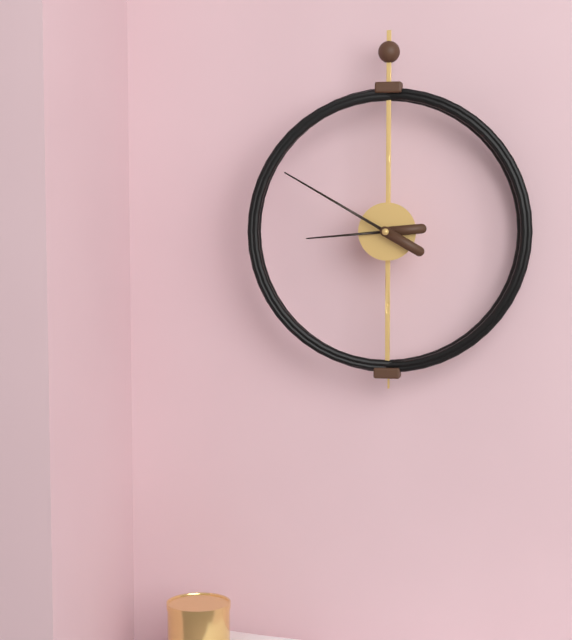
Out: 8:50
